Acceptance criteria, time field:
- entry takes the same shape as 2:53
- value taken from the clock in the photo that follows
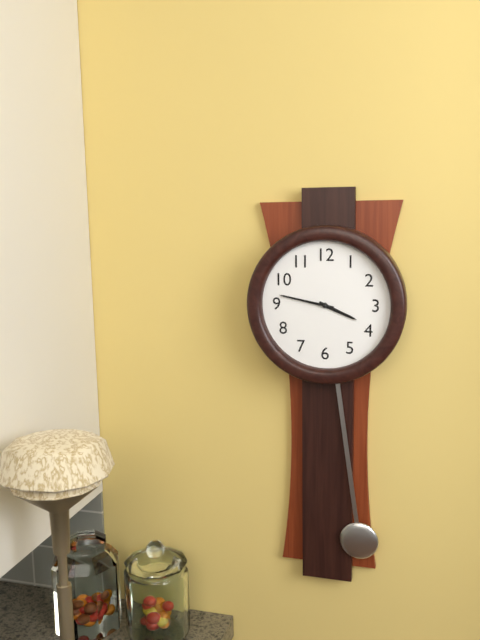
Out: 3:47
